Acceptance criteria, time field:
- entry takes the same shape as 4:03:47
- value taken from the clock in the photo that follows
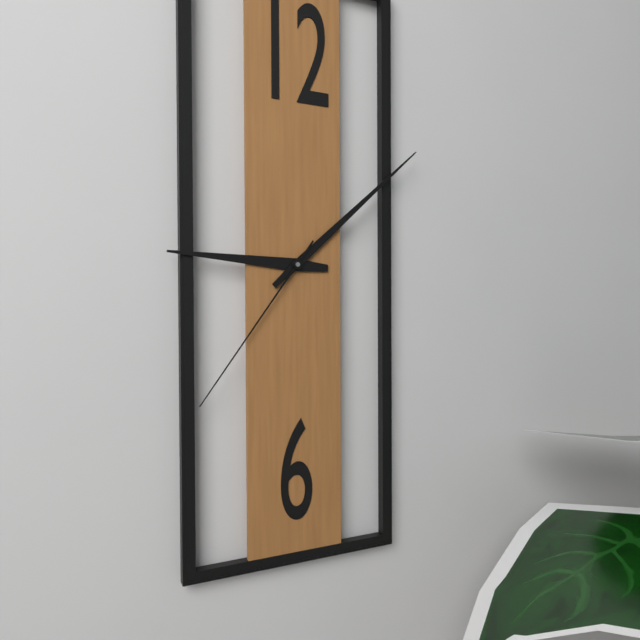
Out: 9:08:36
